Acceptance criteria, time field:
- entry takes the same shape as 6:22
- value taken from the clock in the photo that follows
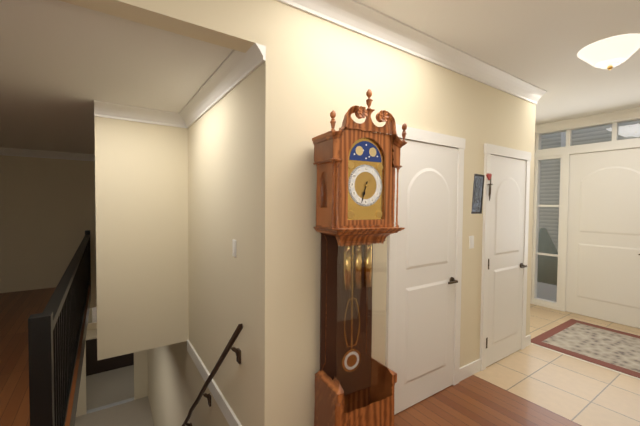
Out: 6:33
